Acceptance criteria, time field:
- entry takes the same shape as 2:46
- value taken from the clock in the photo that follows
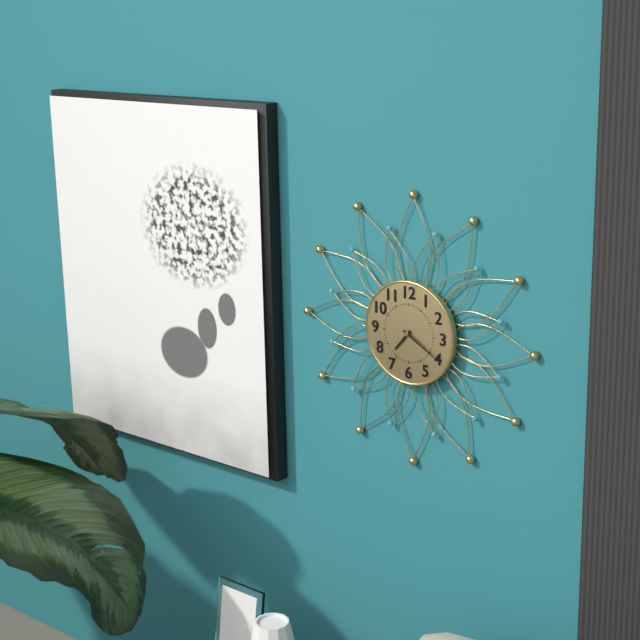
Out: 7:20
